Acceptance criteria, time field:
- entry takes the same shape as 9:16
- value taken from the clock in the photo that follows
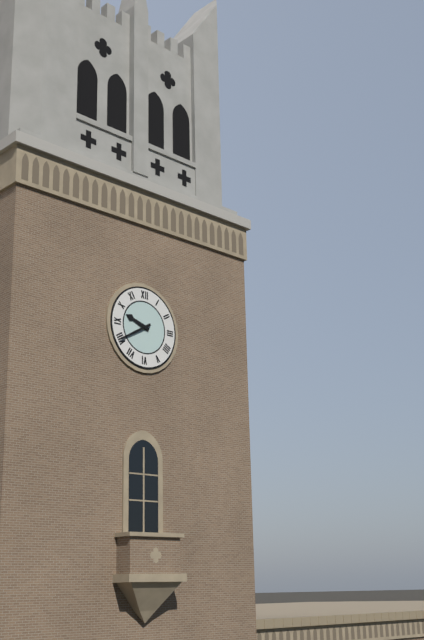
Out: 9:40
